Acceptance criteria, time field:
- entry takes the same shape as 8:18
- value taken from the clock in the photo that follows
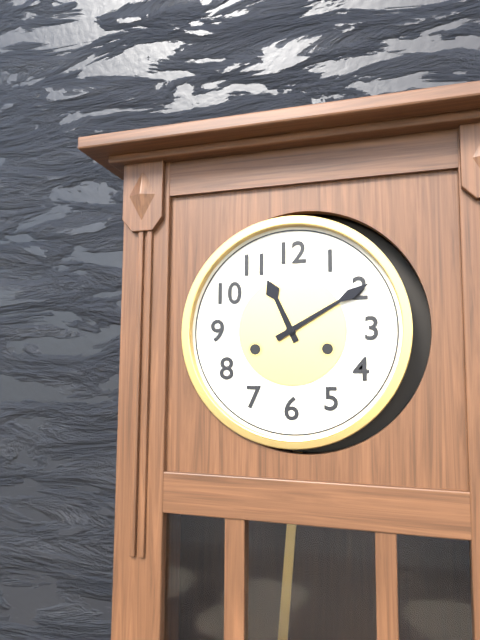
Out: 11:10
